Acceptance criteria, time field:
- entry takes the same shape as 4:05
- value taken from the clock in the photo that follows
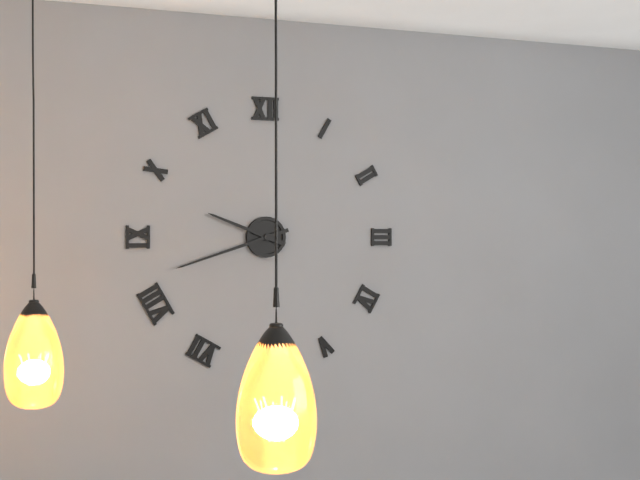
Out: 9:42
